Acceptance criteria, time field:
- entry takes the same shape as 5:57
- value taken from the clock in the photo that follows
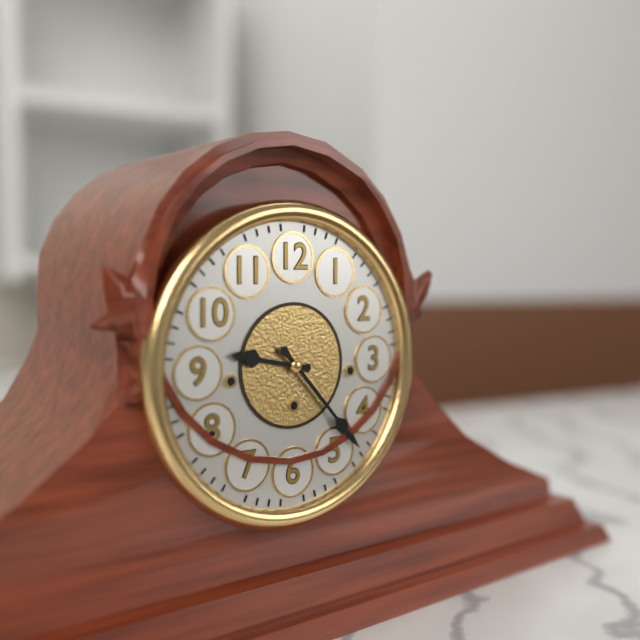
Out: 9:23
